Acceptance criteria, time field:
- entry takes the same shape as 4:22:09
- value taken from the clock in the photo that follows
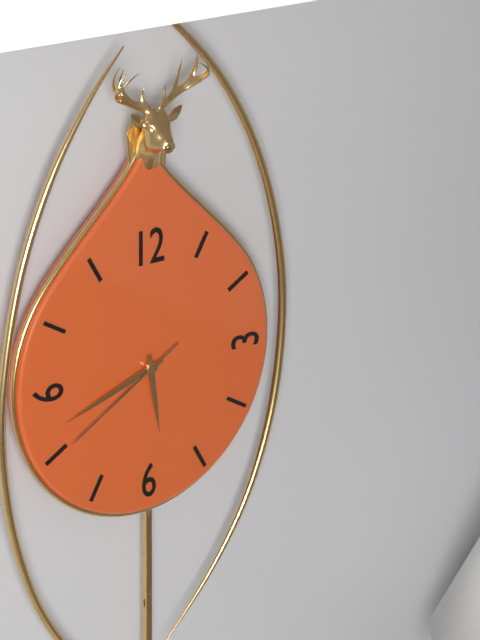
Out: 5:42:40
